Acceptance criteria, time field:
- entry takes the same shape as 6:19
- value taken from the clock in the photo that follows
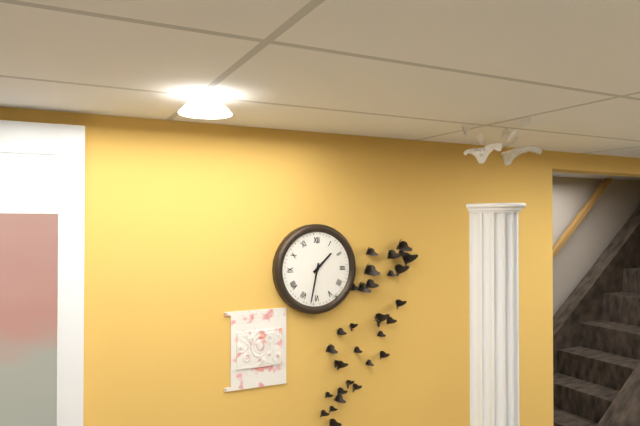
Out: 1:32
